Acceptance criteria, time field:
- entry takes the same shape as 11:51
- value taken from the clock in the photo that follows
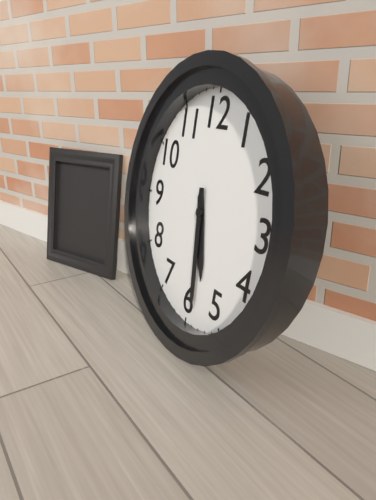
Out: 5:29
